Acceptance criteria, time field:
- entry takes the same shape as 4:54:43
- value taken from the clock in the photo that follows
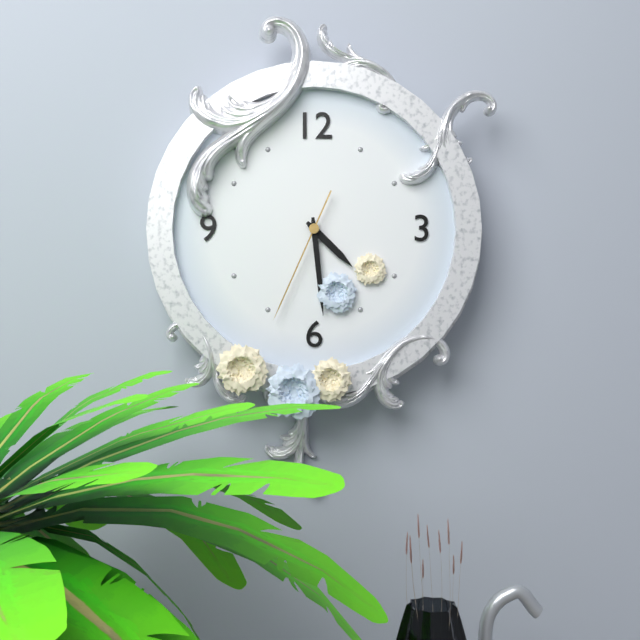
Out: 4:29:34
